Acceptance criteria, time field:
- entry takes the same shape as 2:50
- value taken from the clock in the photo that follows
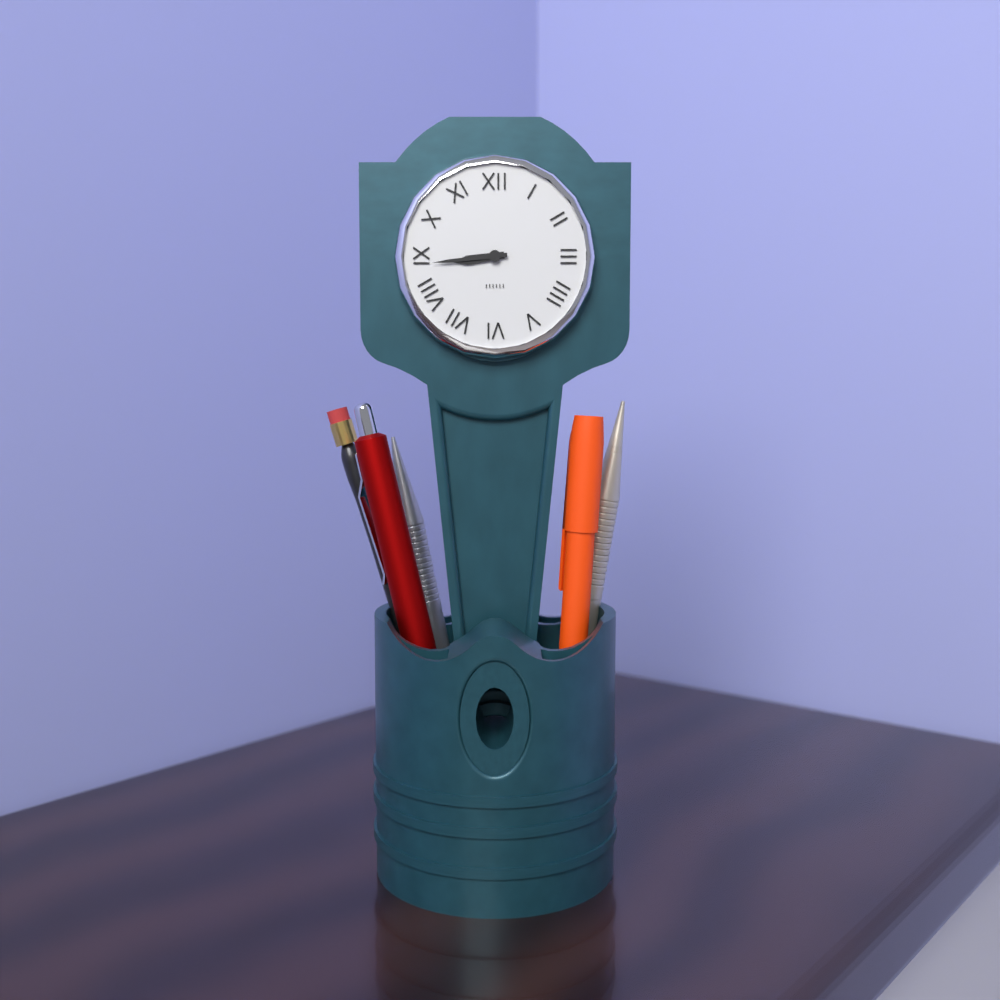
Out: 8:44
